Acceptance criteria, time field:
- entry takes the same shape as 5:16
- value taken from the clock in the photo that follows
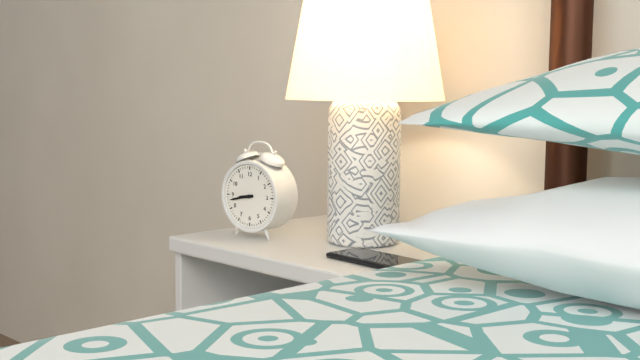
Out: 8:43
